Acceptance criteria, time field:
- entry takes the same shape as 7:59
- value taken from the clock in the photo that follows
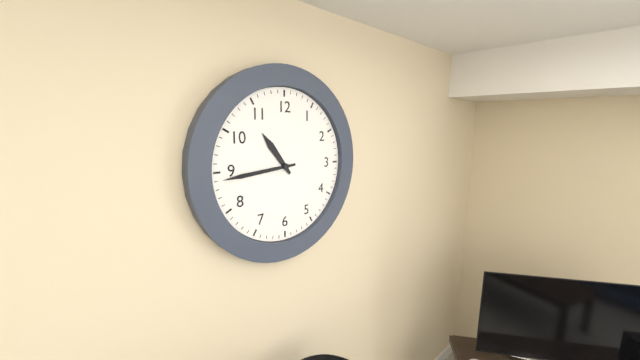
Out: 10:44
